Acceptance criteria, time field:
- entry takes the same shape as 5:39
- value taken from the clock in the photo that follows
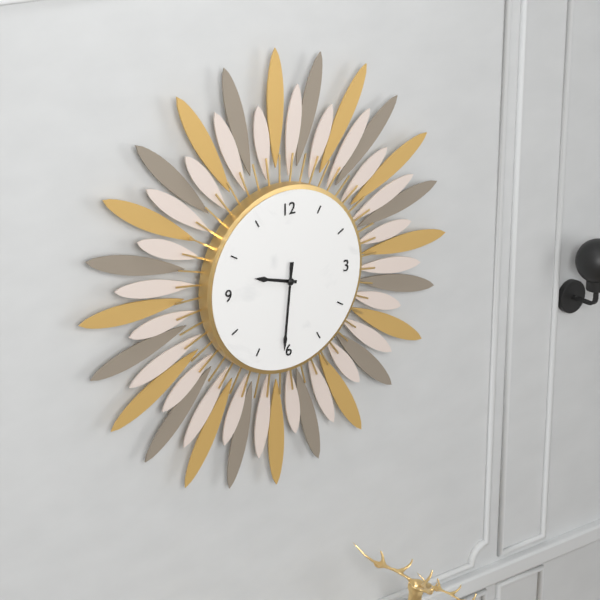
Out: 9:31
